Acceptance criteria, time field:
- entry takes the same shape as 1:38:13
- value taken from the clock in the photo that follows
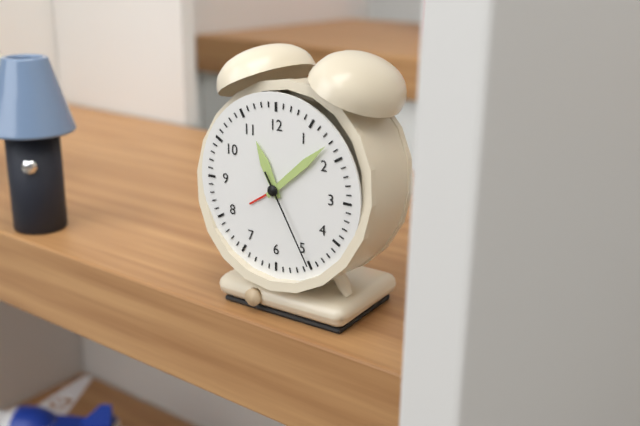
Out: 11:08:25
